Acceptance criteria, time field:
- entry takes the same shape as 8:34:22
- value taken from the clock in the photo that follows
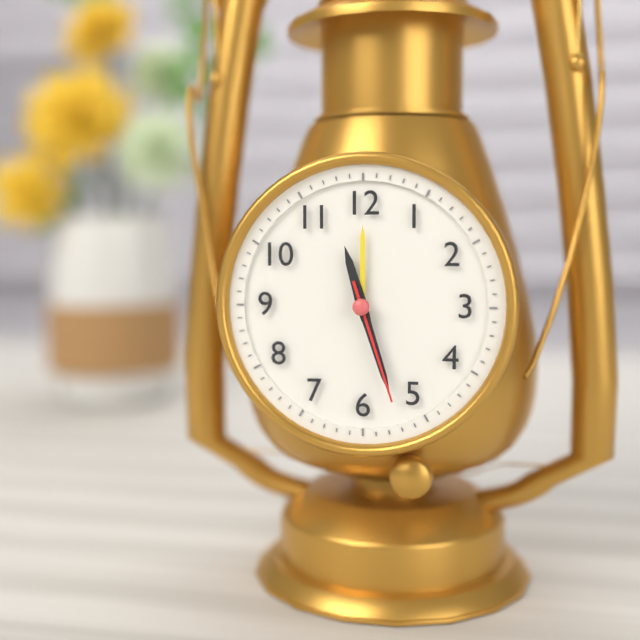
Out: 11:27:27
